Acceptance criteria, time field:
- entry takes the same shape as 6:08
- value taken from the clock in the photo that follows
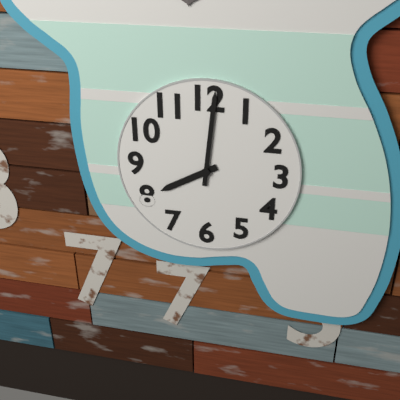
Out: 8:01
